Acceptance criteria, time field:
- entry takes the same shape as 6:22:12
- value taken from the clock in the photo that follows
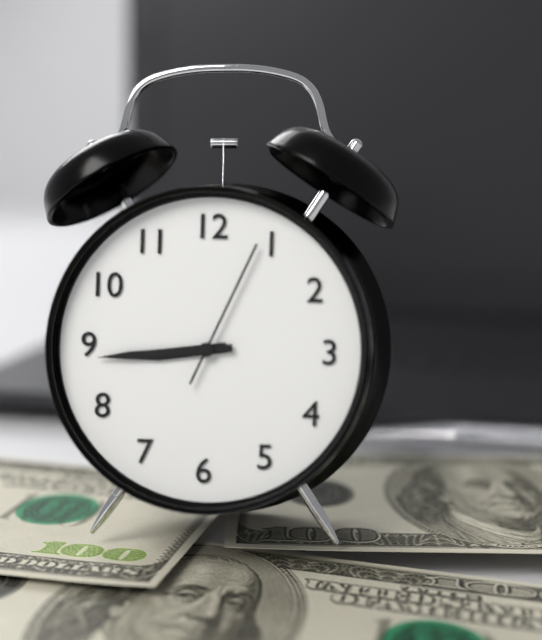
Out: 8:44:04
